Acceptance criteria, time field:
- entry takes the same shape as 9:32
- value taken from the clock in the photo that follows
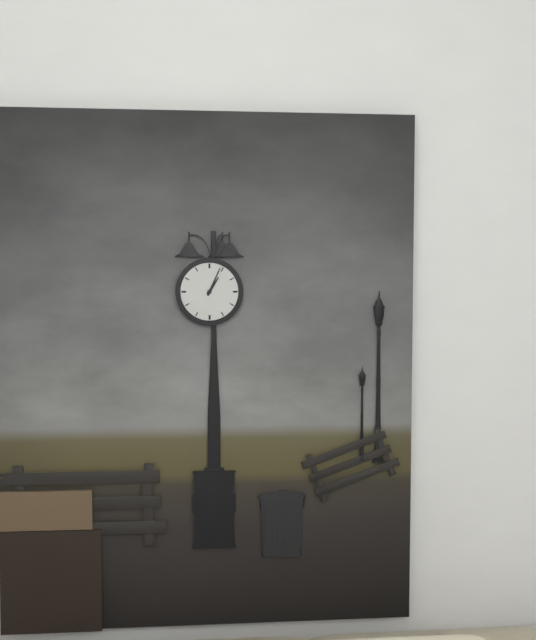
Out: 1:04
